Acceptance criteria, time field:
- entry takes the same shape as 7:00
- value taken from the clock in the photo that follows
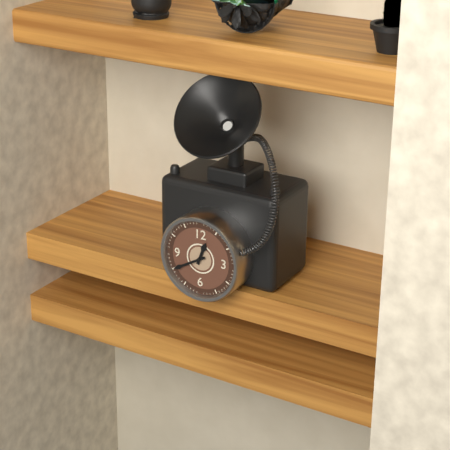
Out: 12:40
